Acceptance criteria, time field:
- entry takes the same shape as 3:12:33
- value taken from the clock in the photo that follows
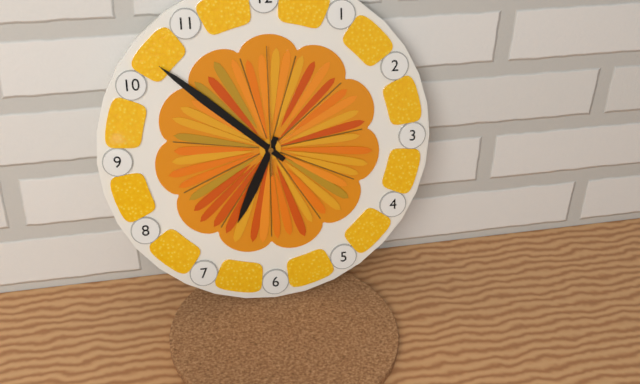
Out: 6:52:00
